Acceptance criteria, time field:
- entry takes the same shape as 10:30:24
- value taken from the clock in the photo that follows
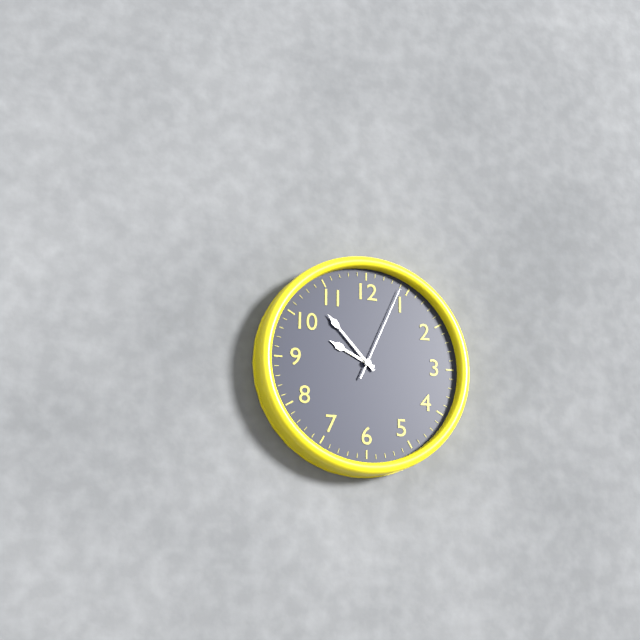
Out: 9:53:04
